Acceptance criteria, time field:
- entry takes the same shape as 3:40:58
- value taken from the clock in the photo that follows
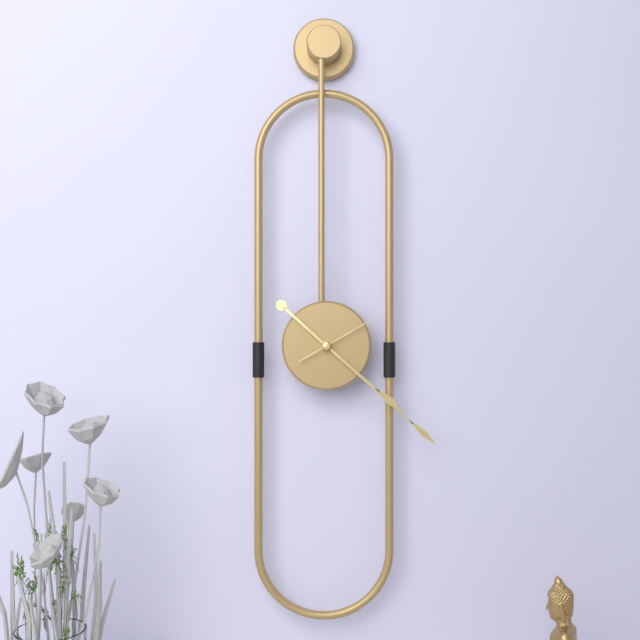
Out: 4:22:10
